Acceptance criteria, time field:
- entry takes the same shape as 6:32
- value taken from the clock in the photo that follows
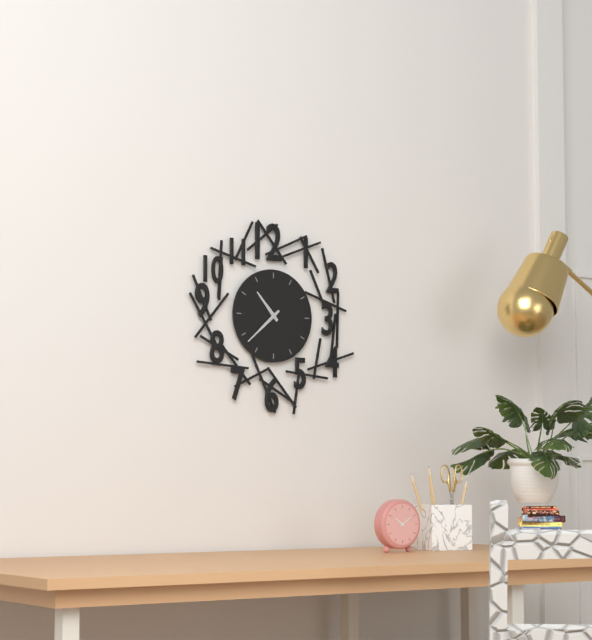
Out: 10:38
